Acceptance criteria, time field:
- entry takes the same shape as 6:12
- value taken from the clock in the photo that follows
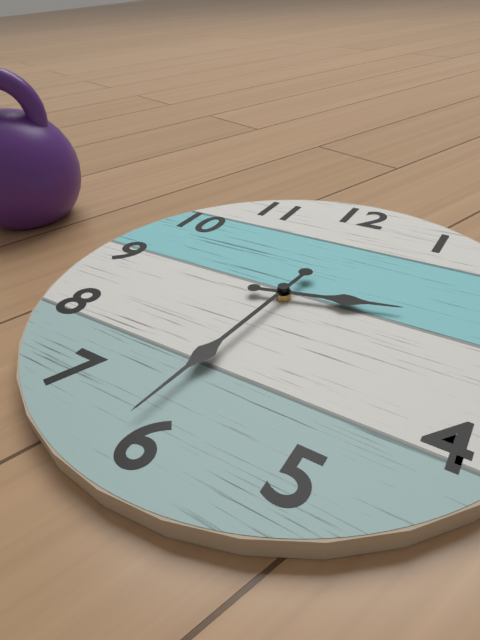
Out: 2:31
